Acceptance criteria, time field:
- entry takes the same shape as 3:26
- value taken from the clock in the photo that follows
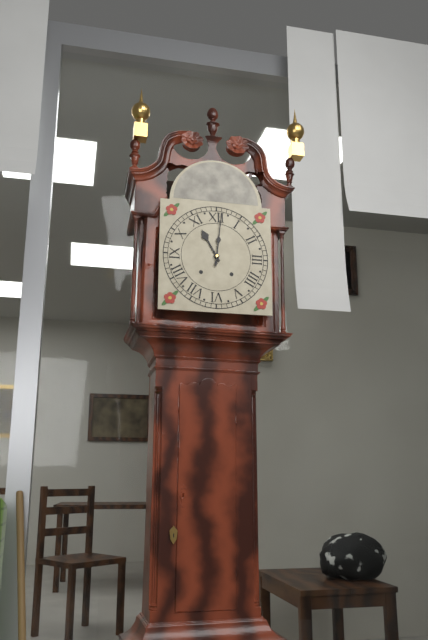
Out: 11:01
